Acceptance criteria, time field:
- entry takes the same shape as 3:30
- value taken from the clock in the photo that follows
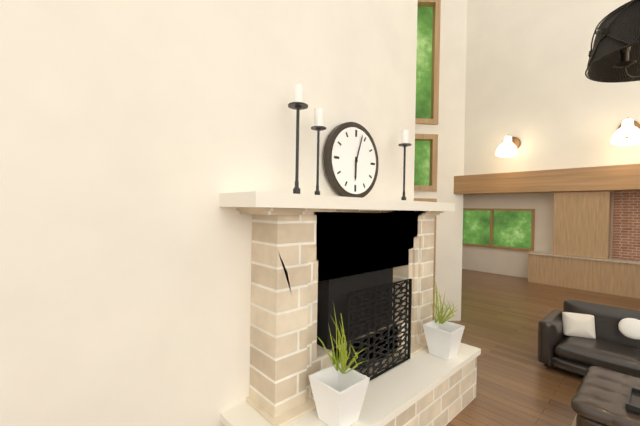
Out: 6:03
